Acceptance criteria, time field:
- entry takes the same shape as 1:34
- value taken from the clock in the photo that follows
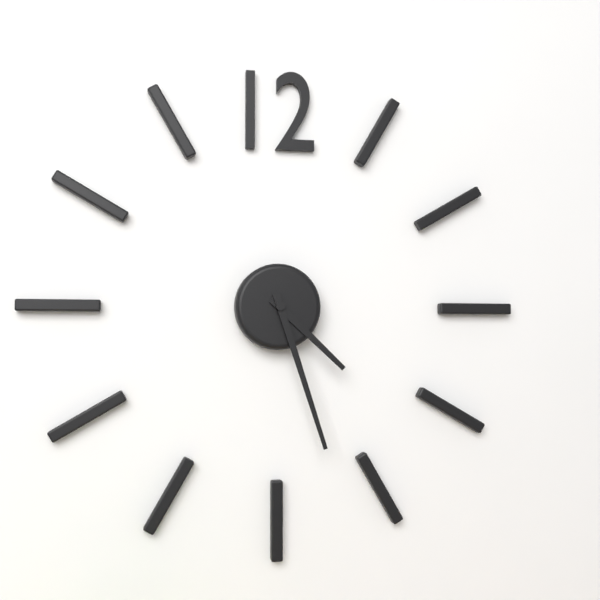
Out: 4:27
